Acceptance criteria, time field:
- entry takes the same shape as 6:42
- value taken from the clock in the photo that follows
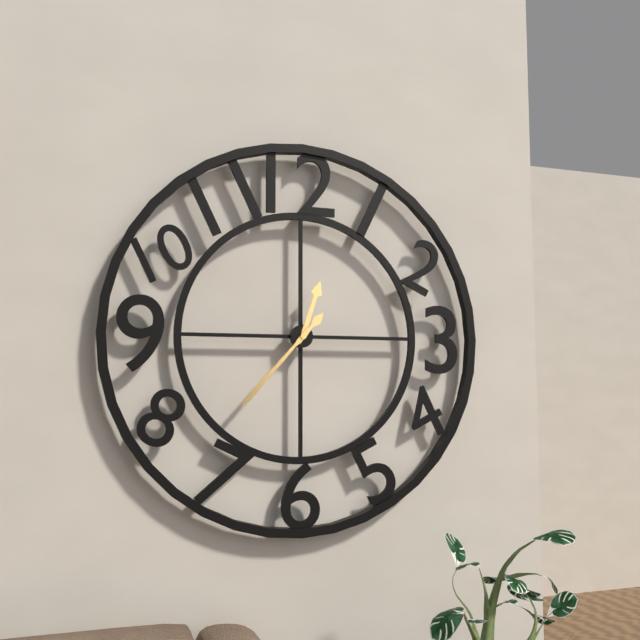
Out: 12:37
